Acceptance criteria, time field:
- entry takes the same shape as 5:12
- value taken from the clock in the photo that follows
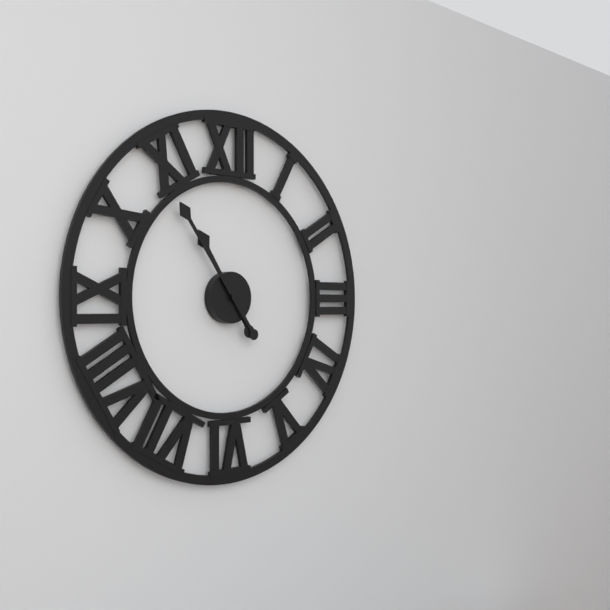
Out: 10:54
